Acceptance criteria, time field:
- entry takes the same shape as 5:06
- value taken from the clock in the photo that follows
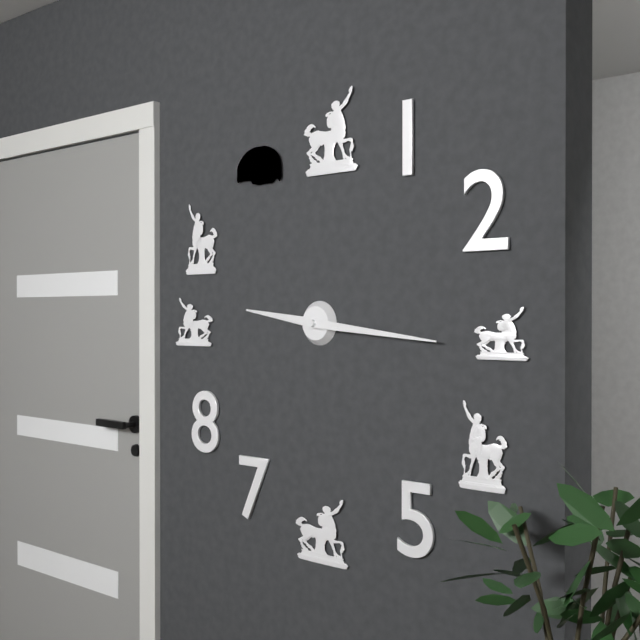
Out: 9:16
